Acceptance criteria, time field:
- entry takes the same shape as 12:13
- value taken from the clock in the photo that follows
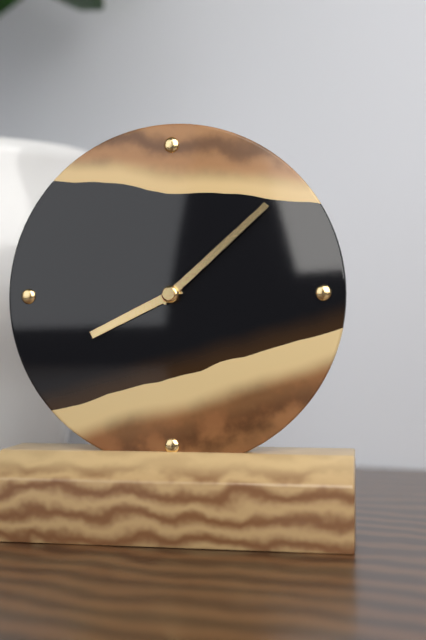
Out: 8:08
